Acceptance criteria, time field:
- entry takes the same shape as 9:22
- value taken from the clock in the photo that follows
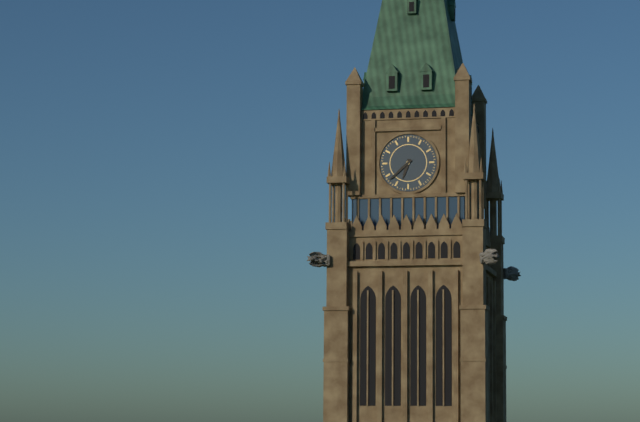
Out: 6:38
